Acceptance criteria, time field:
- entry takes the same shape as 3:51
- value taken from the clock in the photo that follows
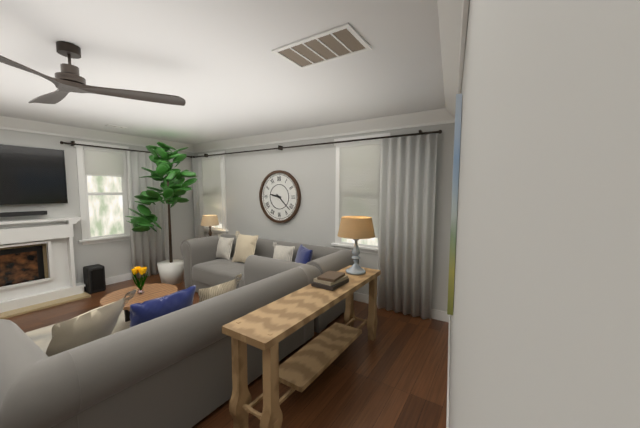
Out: 9:22
